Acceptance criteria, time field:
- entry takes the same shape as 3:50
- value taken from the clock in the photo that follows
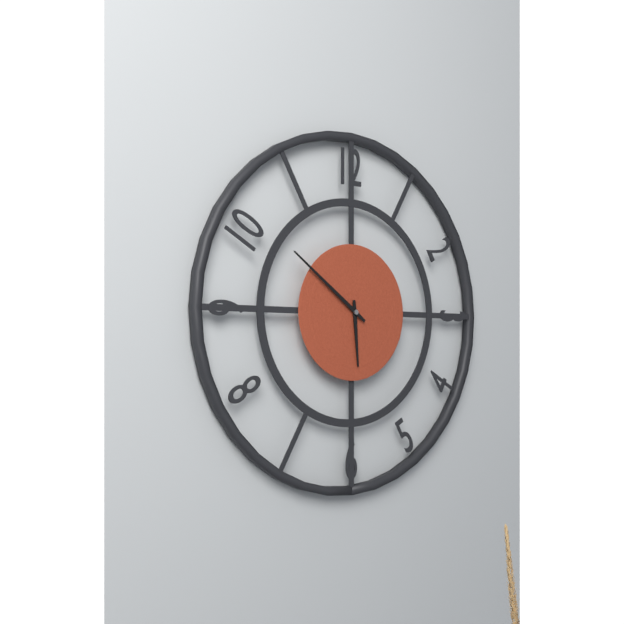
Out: 5:51
